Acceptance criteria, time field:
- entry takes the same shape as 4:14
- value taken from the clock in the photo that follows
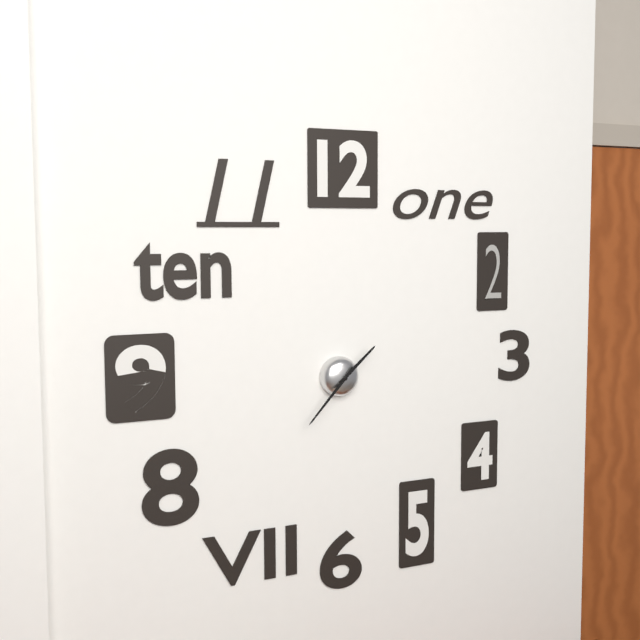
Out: 1:37
